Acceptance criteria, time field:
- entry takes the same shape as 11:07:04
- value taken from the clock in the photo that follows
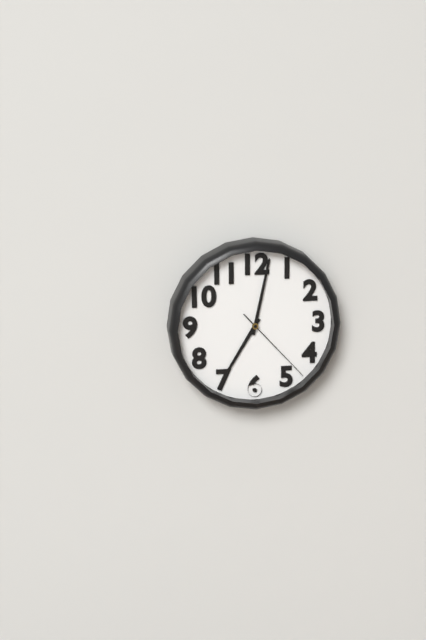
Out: 7:02:23
